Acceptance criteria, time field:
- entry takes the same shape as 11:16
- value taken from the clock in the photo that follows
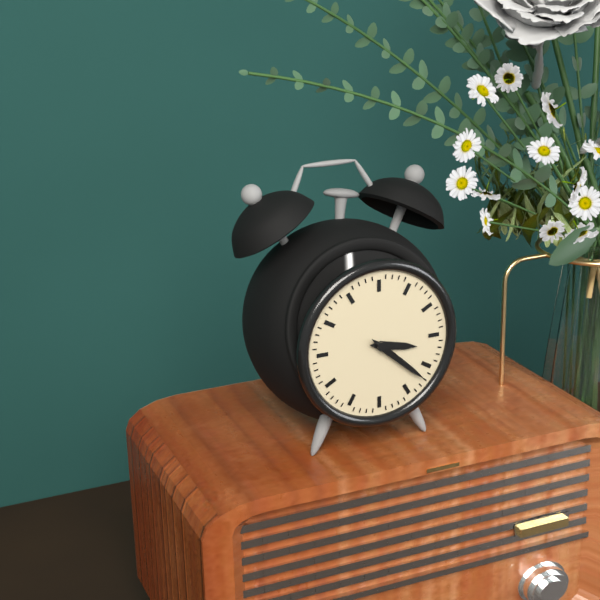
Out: 3:22
